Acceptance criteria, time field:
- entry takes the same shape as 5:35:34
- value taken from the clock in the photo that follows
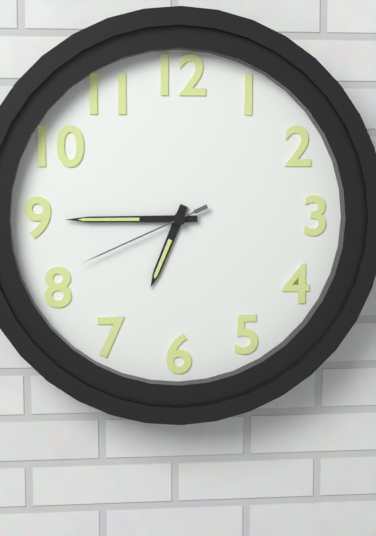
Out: 6:45:41
